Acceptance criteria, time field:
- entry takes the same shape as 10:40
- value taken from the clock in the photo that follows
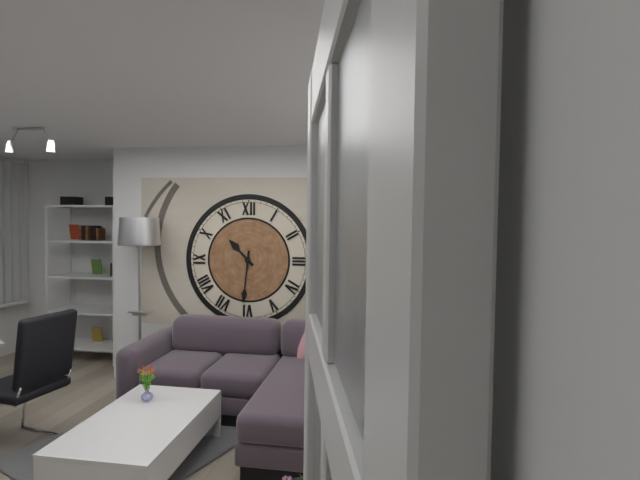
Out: 10:31
